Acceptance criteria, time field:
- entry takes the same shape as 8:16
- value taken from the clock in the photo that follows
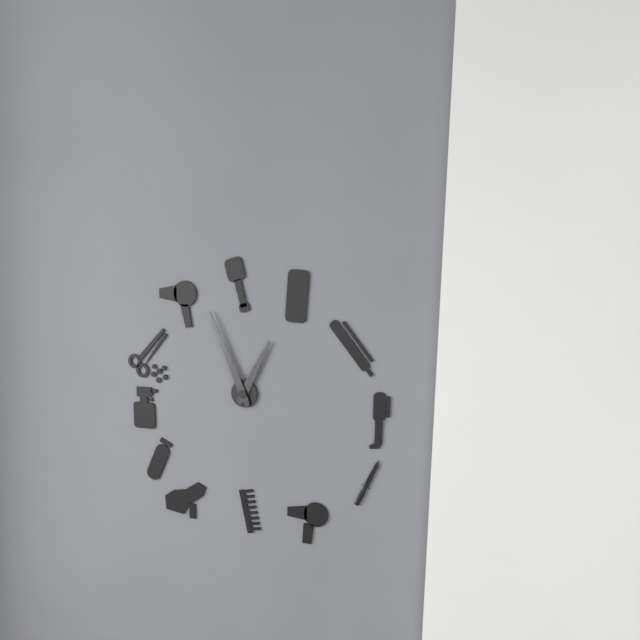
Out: 12:56
